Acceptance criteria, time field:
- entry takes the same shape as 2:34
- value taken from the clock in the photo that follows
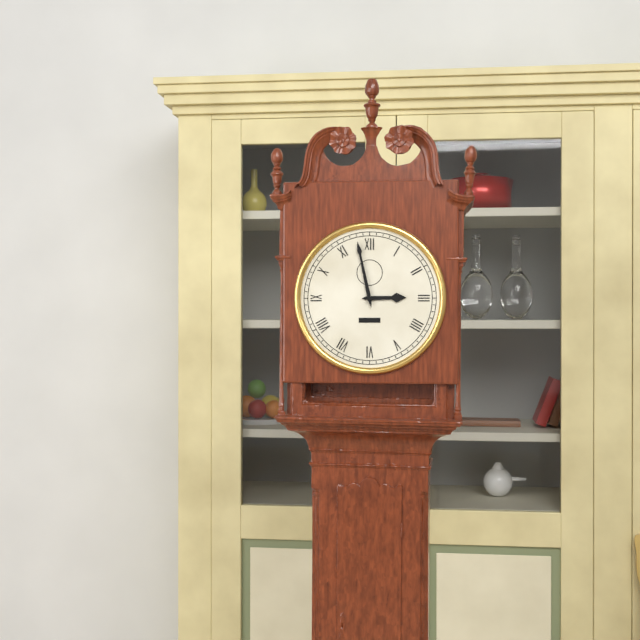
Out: 2:58
